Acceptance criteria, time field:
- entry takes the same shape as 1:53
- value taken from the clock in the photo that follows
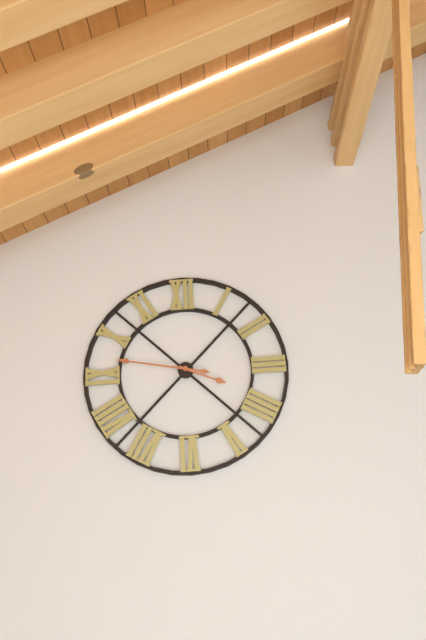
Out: 3:47
